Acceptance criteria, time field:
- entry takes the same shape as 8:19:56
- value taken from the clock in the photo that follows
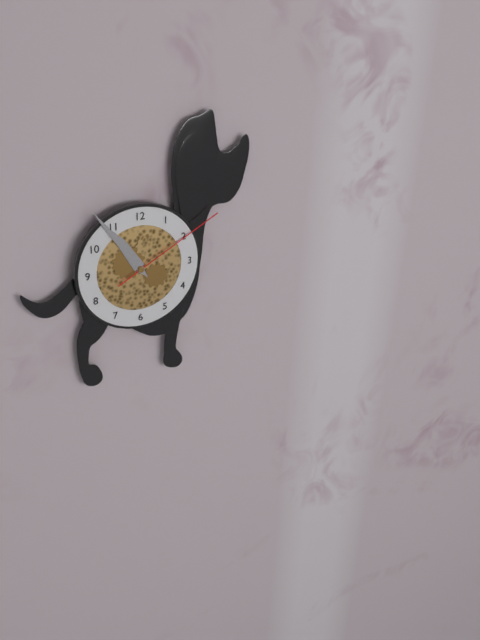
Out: 10:54:10
